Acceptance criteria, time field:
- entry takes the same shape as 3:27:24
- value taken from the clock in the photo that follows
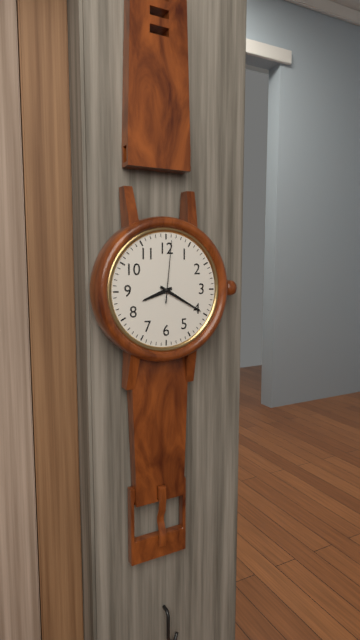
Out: 8:20:01
